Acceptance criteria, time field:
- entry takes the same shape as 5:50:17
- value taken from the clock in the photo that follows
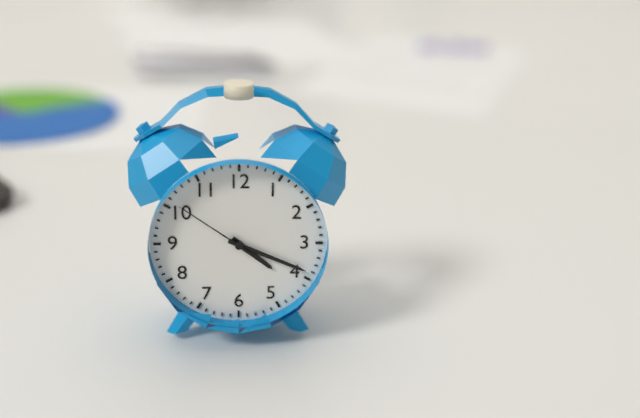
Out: 4:19:51
